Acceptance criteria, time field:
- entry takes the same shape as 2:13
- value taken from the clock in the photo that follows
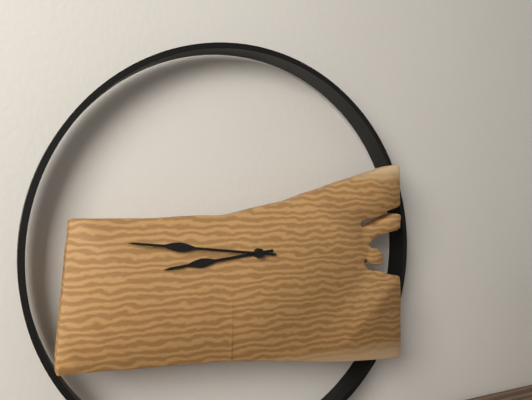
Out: 8:46
